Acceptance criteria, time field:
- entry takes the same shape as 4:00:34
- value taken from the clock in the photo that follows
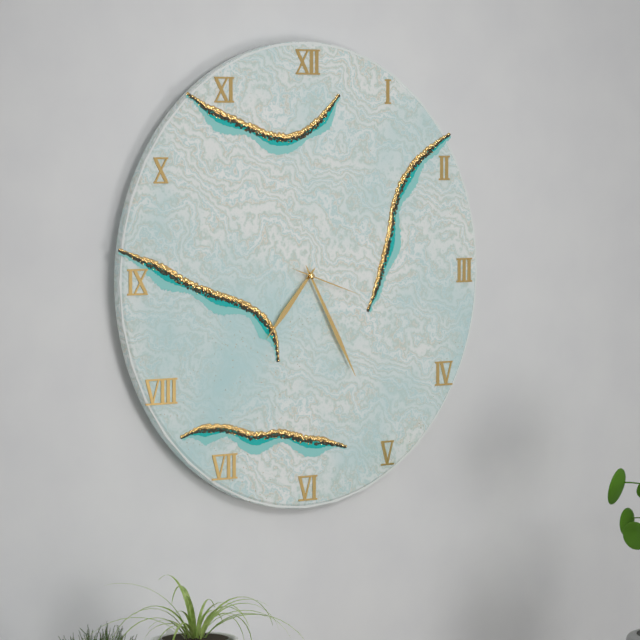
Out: 7:25:18
